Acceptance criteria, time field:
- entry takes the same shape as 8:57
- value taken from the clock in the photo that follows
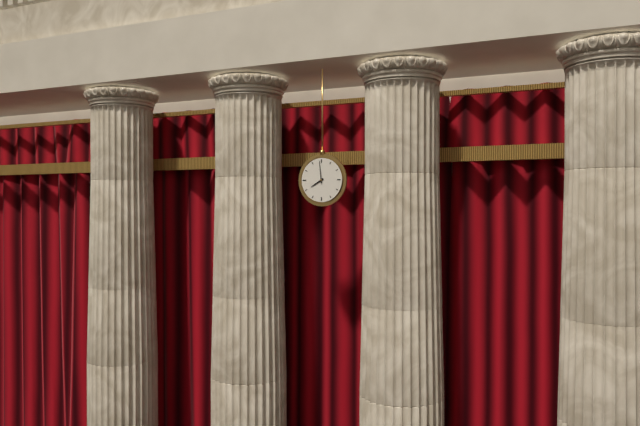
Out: 7:59
